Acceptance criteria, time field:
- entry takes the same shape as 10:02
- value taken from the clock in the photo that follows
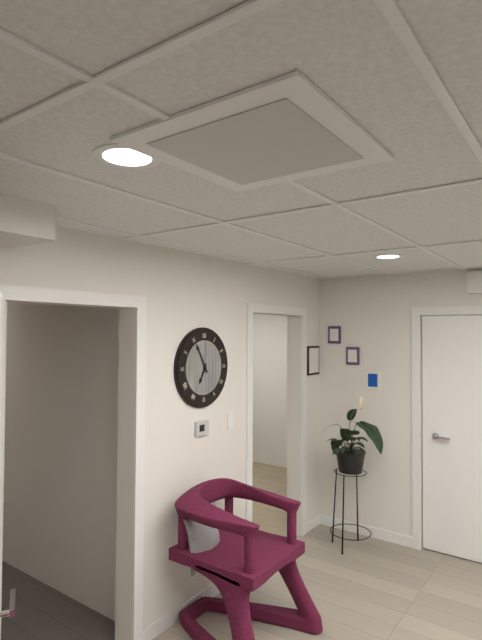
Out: 6:55
